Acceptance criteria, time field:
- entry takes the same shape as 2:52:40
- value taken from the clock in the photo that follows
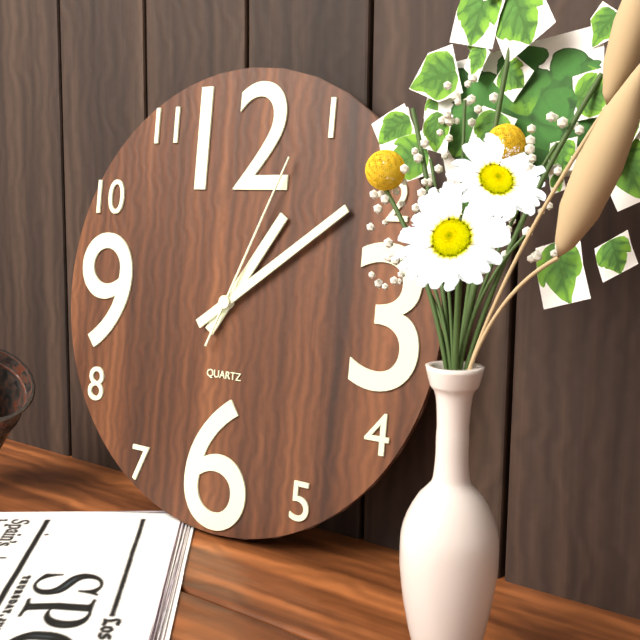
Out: 1:09:04
